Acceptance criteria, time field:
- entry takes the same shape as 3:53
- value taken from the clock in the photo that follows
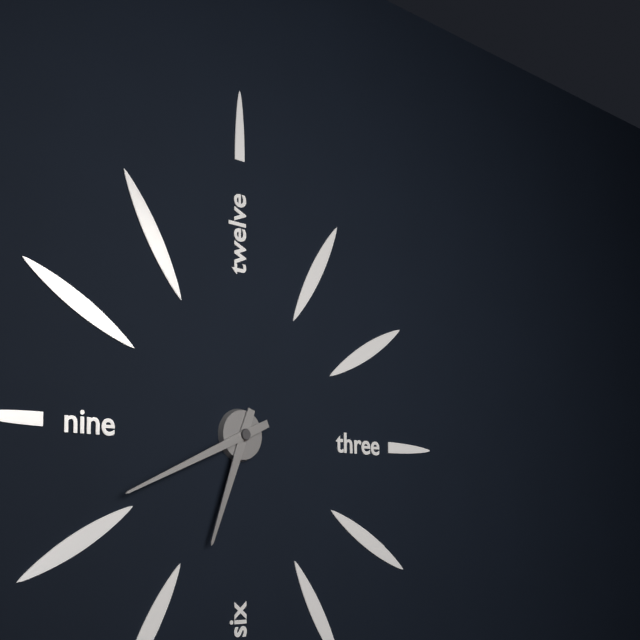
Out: 6:41
